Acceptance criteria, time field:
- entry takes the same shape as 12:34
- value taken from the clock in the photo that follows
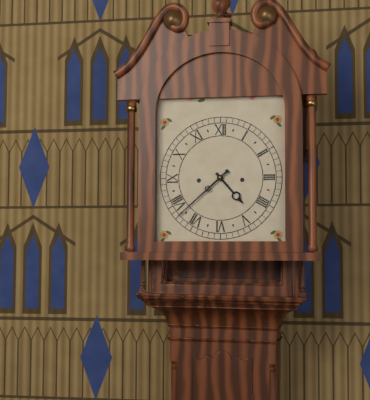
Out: 4:38
